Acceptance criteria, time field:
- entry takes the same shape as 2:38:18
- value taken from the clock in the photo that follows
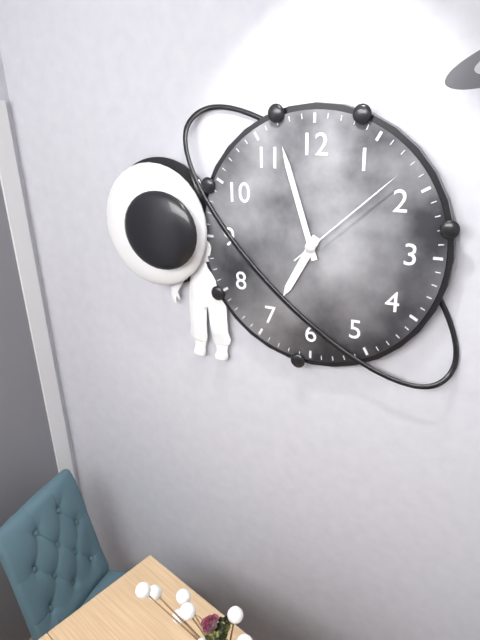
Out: 6:57:08
